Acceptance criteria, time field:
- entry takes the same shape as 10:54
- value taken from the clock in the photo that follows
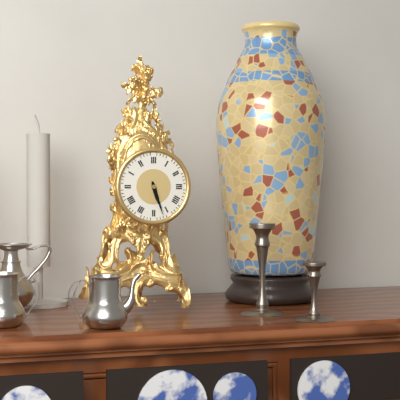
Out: 5:27
